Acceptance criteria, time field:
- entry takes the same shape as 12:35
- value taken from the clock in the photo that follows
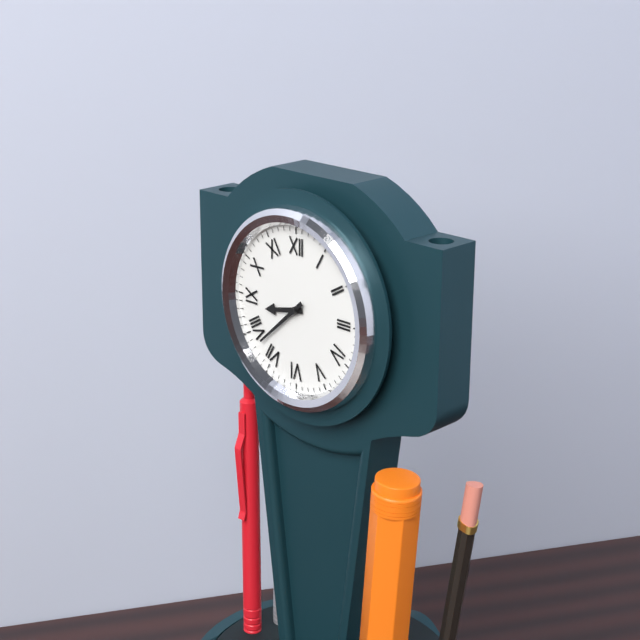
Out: 8:38
